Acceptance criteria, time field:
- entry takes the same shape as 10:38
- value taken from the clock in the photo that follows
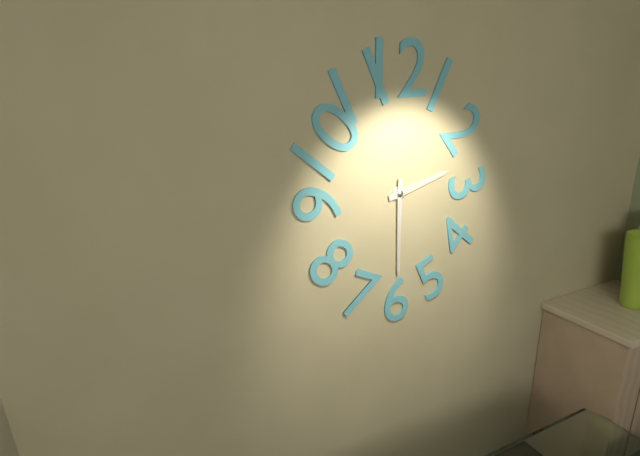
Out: 2:30
